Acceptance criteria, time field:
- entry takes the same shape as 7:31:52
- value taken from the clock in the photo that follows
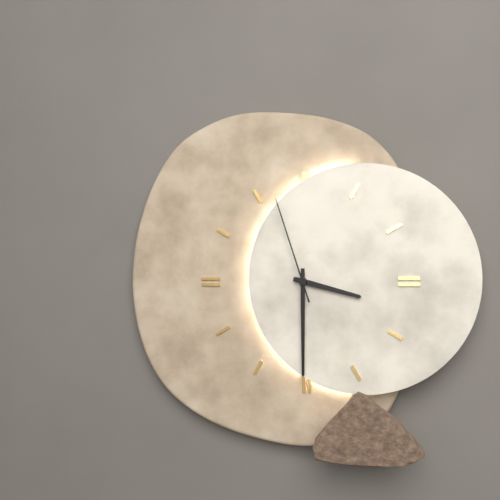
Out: 3:30:57
